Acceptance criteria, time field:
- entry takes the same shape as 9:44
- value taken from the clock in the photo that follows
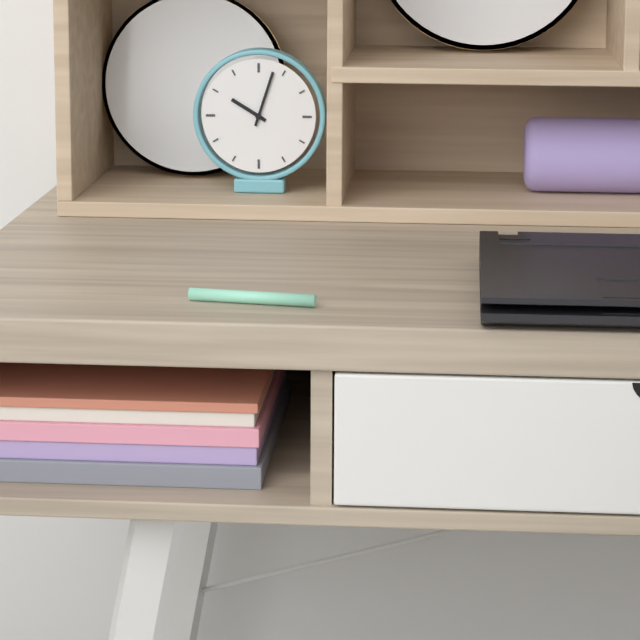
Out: 10:03
